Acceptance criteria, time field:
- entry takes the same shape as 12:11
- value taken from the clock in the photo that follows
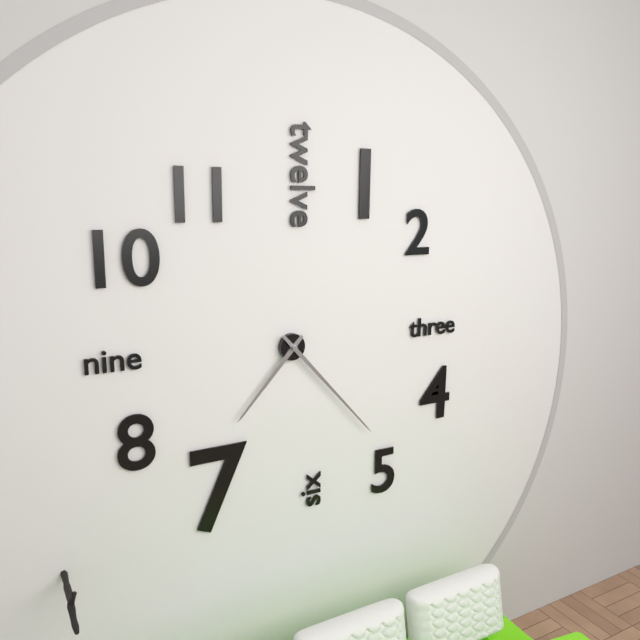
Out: 7:23
